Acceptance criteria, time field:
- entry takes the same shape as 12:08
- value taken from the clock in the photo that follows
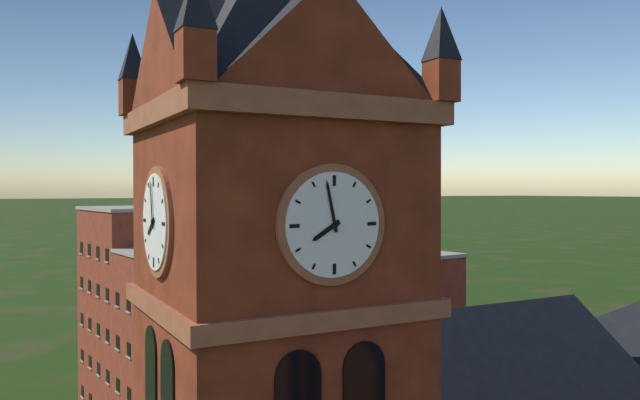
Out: 7:58
